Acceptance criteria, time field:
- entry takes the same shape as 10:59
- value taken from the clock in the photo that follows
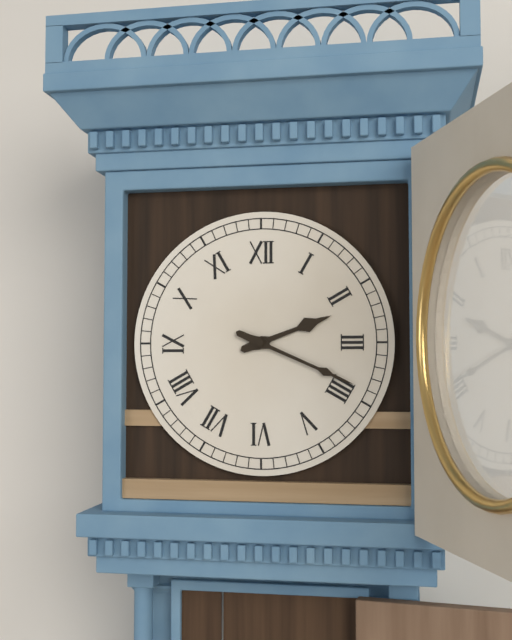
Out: 2:19
